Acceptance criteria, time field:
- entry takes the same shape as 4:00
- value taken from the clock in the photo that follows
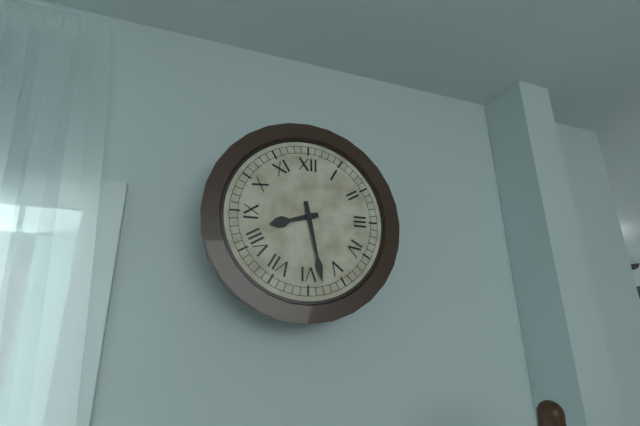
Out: 8:28
